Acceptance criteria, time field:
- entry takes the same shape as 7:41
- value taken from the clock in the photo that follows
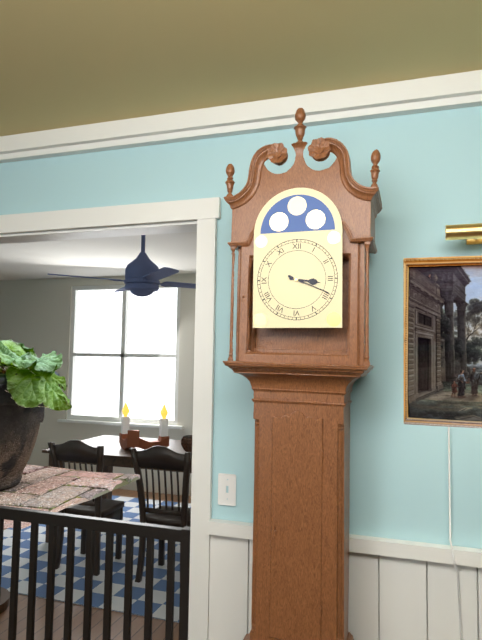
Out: 3:19
